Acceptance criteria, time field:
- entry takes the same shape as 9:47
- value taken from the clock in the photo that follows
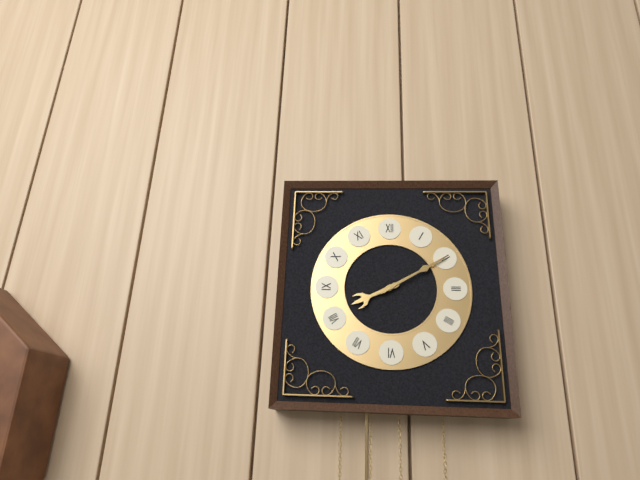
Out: 8:10
